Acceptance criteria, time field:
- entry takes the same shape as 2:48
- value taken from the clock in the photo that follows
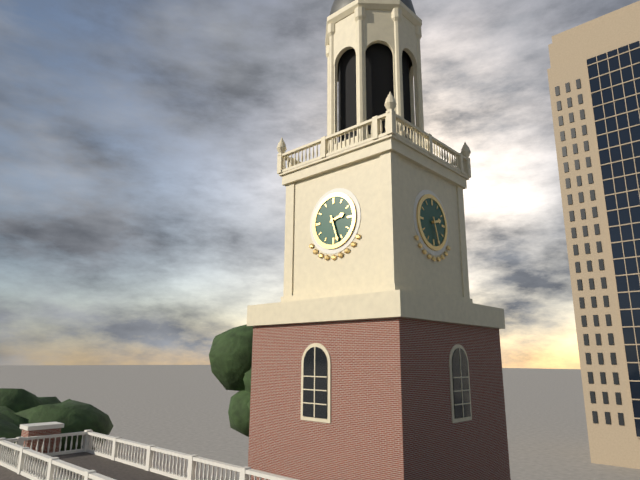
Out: 2:27
